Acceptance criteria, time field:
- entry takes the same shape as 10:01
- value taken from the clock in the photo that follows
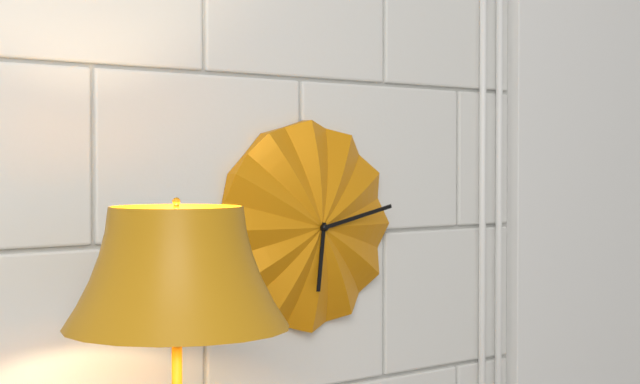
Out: 6:13
